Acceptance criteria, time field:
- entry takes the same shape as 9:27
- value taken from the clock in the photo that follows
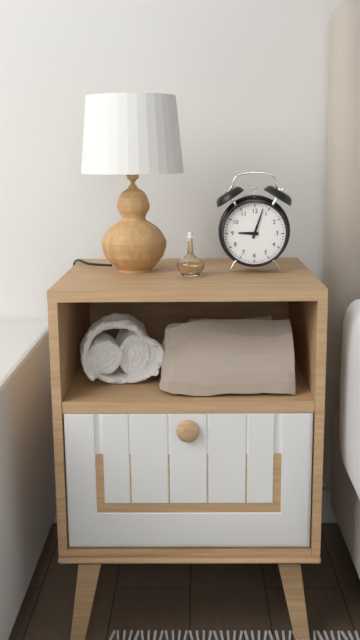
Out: 9:03
